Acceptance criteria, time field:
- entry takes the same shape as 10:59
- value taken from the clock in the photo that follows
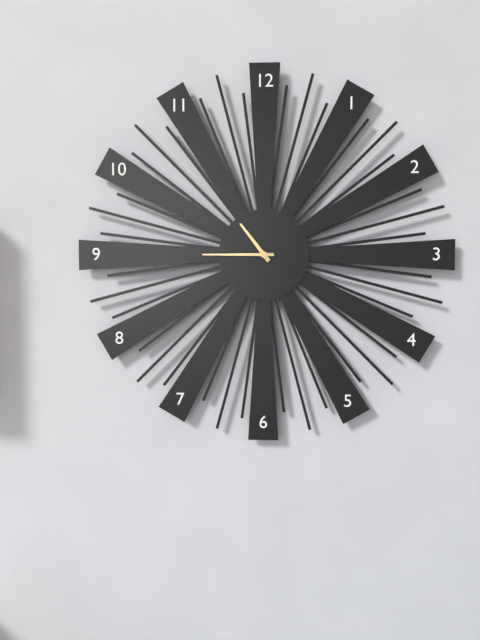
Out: 10:45
